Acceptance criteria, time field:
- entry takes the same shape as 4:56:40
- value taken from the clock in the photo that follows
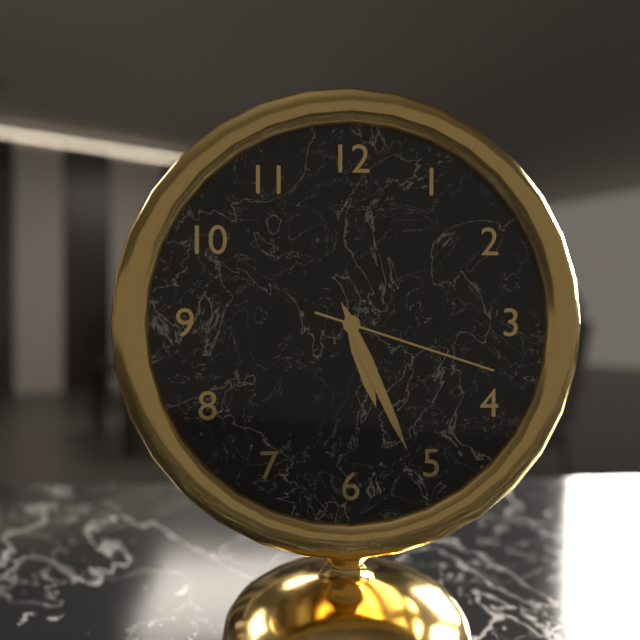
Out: 5:26:18
